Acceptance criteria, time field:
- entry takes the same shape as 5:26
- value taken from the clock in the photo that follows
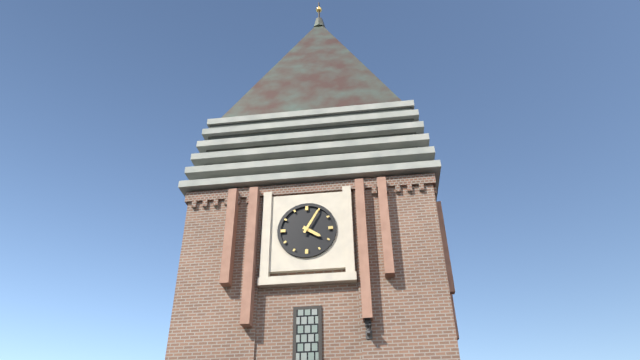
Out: 4:05
